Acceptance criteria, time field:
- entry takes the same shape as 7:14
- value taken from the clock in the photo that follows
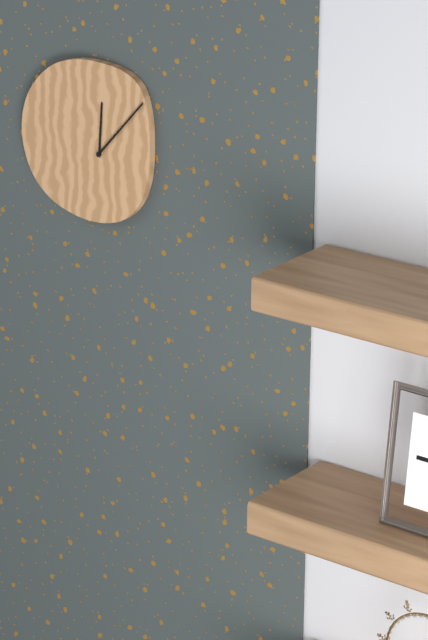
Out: 12:07
